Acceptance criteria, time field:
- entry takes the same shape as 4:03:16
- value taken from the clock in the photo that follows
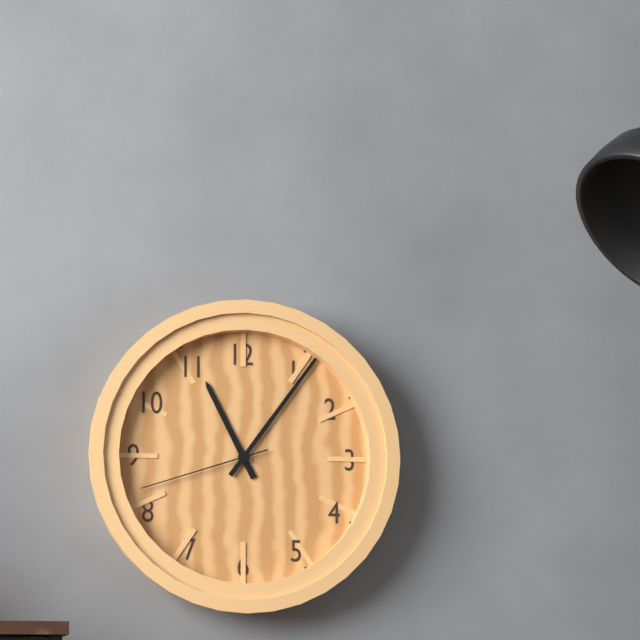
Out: 11:06:42
